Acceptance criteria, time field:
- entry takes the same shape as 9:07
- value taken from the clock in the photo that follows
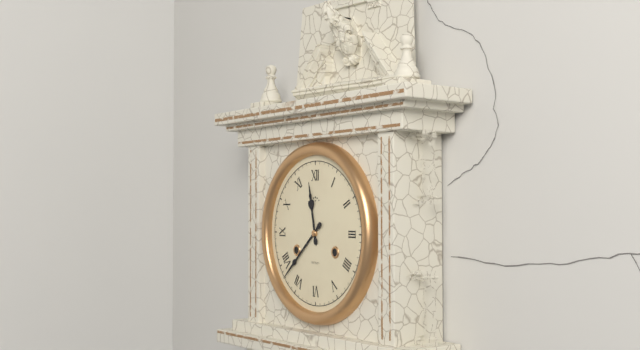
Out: 11:38
